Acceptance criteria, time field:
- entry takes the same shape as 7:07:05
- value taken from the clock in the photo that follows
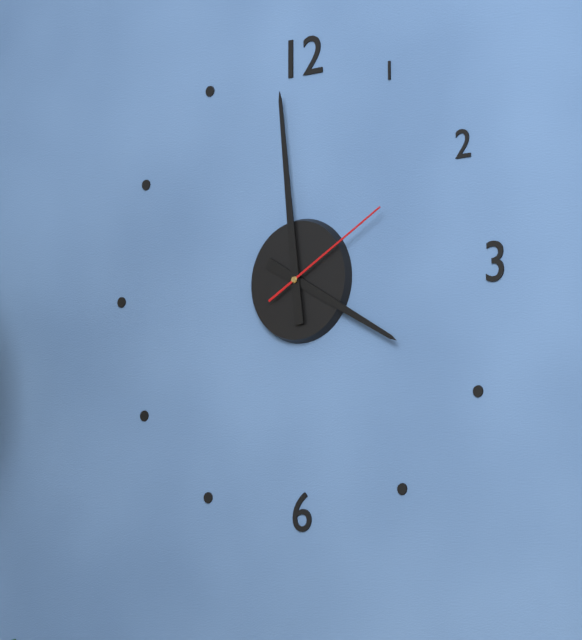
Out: 3:59:10
